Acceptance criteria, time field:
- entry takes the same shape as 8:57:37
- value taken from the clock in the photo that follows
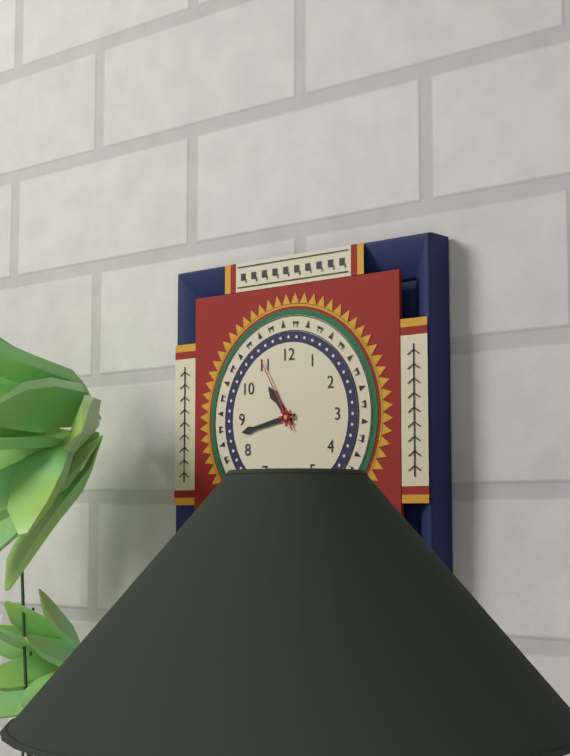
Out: 10:43:55
